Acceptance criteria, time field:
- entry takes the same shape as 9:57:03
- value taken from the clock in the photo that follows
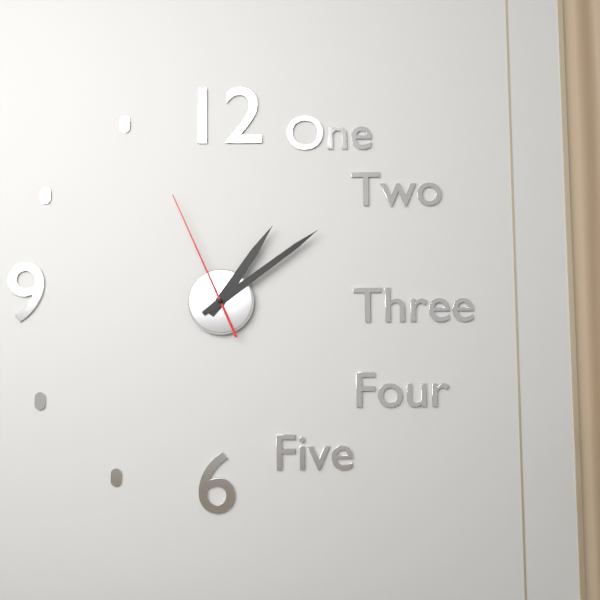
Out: 1:09:56
